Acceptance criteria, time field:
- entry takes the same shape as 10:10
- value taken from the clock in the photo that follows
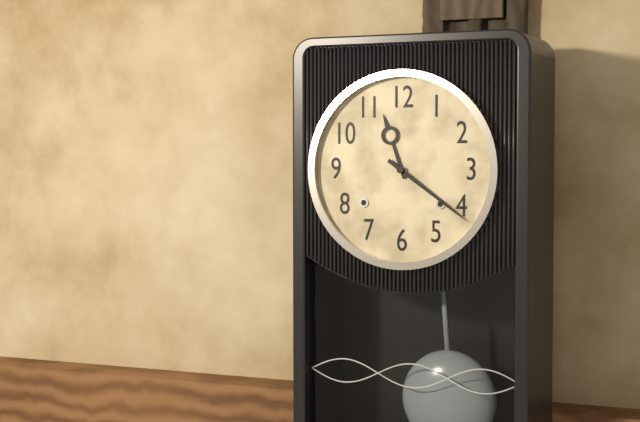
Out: 11:21
